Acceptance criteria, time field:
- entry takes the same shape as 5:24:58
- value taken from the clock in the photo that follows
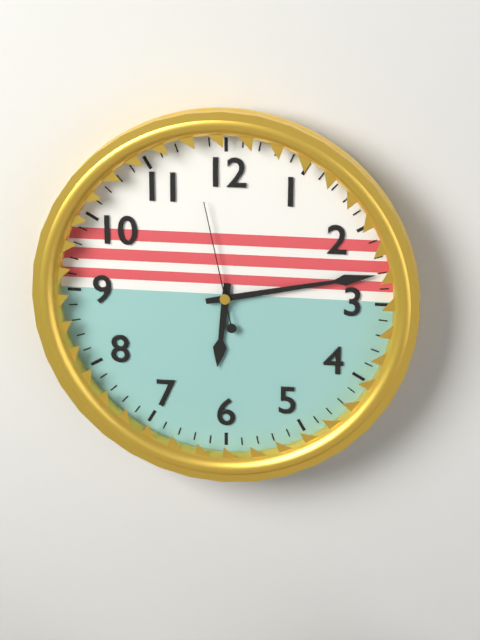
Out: 6:13:58
